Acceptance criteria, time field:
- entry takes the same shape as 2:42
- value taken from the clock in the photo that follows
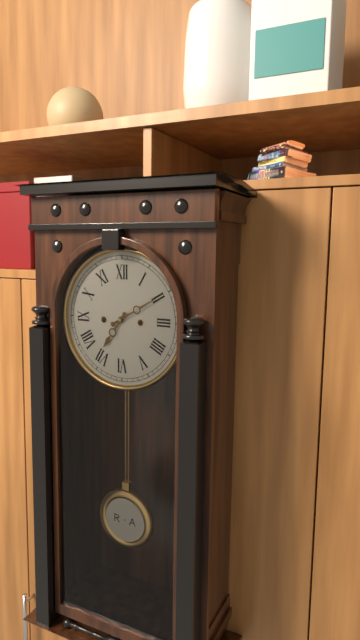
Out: 7:10
